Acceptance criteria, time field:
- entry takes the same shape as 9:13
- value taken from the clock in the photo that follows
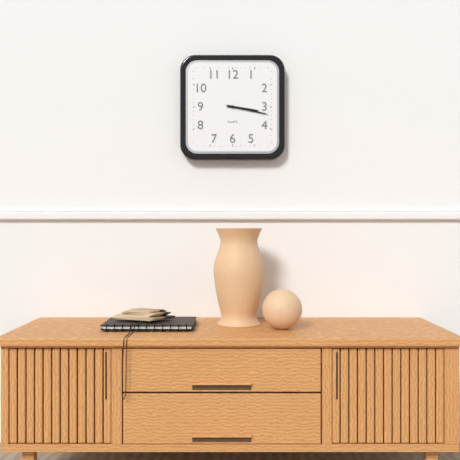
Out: 3:17
